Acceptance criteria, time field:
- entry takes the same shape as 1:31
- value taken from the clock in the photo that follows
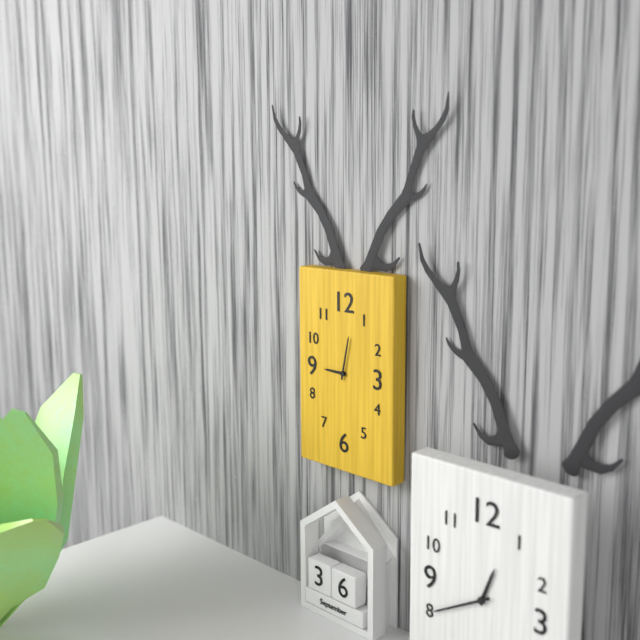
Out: 9:02
